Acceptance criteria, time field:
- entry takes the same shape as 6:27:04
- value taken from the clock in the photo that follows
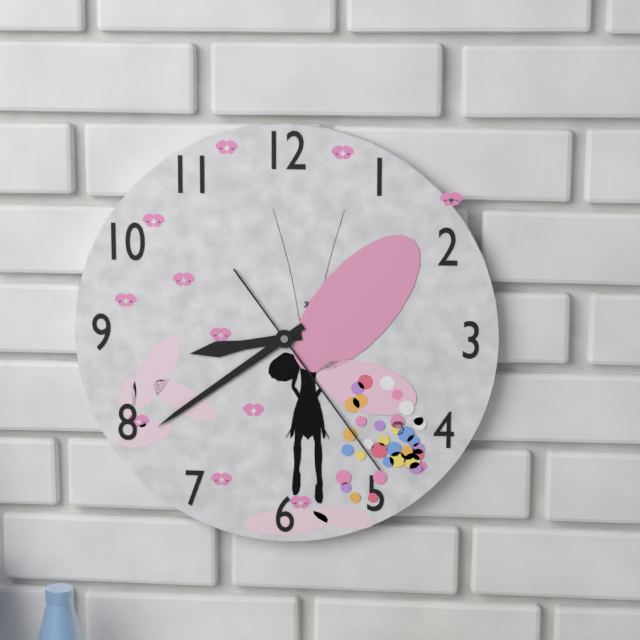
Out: 8:39:24
